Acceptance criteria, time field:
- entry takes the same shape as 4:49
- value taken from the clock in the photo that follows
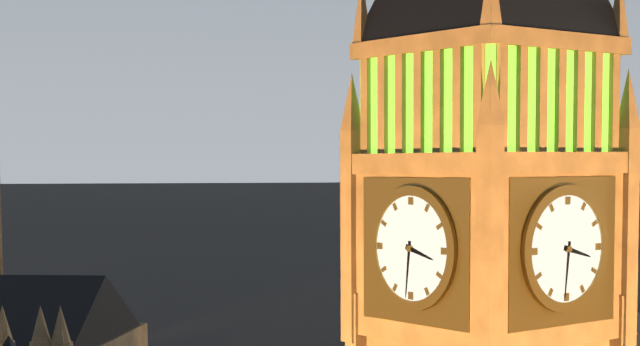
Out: 3:31
